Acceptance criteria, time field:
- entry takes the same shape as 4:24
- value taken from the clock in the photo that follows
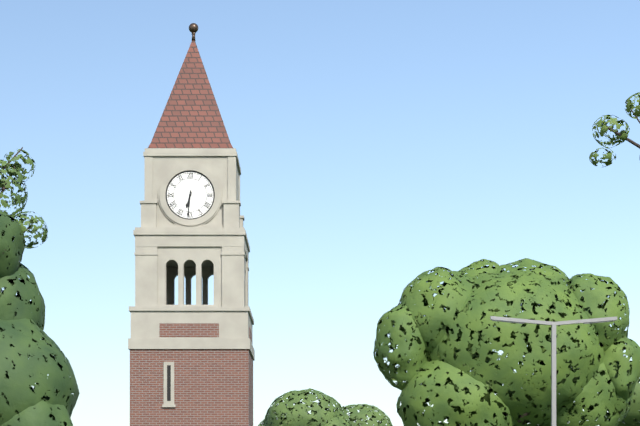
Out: 6:31
